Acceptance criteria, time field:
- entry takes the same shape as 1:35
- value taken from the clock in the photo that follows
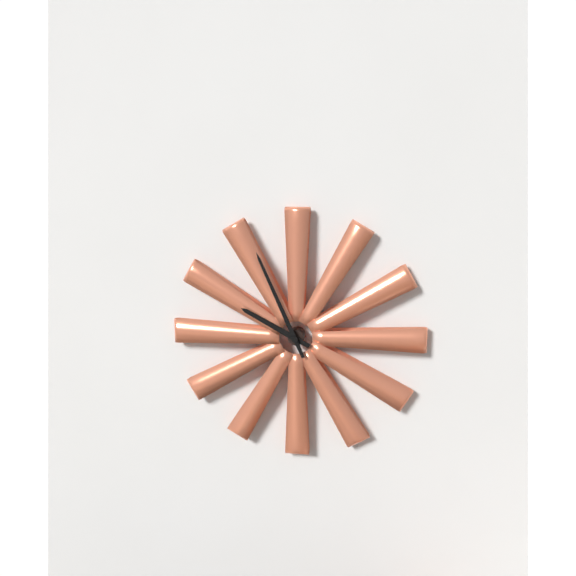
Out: 9:56
